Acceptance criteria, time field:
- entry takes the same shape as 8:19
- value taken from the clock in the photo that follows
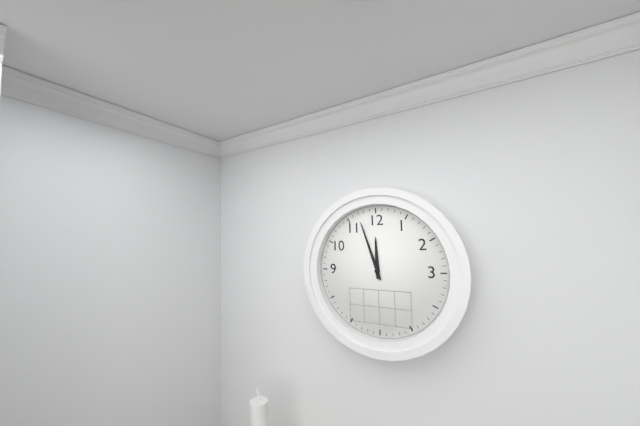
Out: 11:57
